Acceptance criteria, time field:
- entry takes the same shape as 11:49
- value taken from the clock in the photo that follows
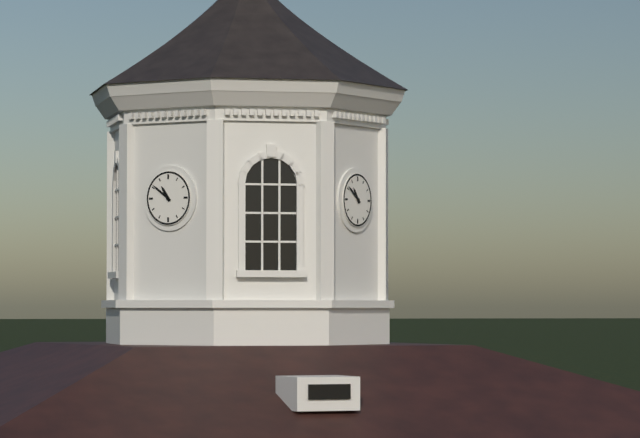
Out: 10:51
